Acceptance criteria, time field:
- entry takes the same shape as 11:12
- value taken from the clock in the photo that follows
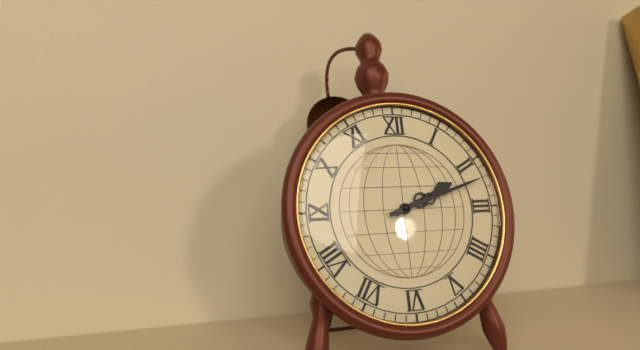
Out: 2:12
